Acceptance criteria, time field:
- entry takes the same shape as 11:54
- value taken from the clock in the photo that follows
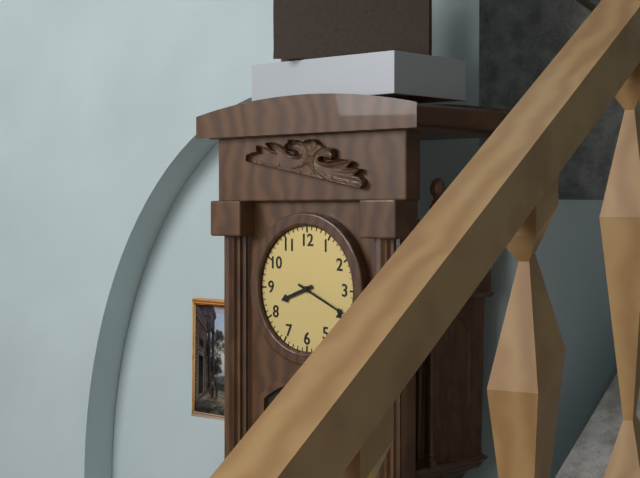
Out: 8:19
